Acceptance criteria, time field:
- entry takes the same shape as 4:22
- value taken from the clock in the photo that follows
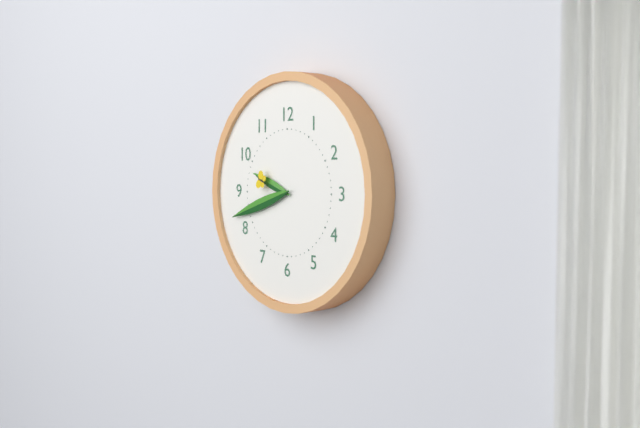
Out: 9:42
